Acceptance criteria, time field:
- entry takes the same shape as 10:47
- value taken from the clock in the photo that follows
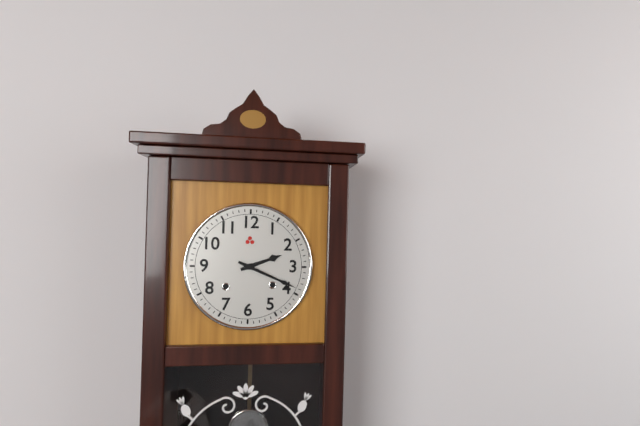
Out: 2:19
